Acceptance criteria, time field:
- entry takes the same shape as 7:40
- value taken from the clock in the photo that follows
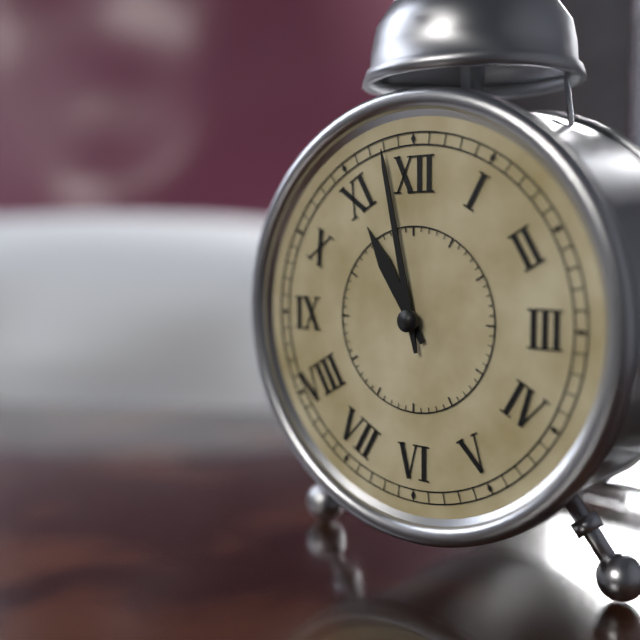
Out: 10:58
